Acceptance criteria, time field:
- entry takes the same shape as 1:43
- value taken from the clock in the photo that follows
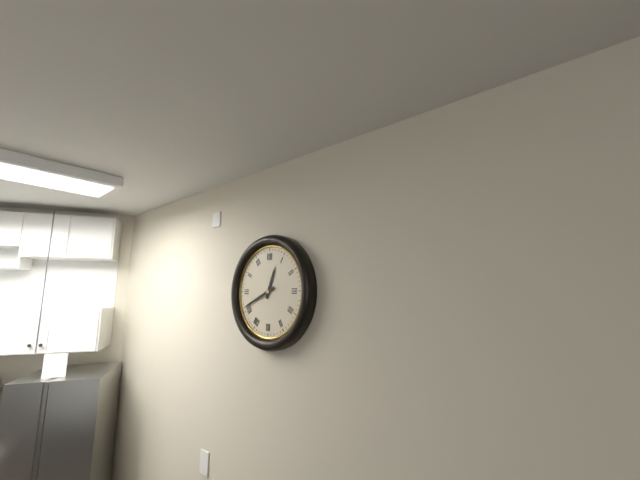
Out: 12:41
